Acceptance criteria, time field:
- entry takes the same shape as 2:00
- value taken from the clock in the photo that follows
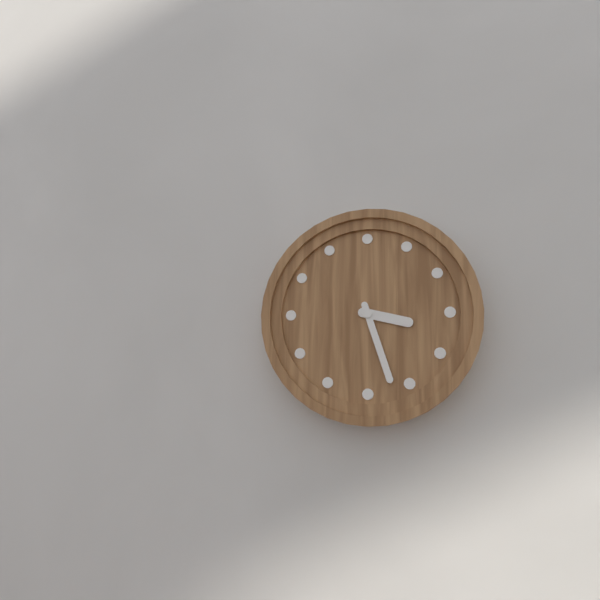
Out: 3:27
